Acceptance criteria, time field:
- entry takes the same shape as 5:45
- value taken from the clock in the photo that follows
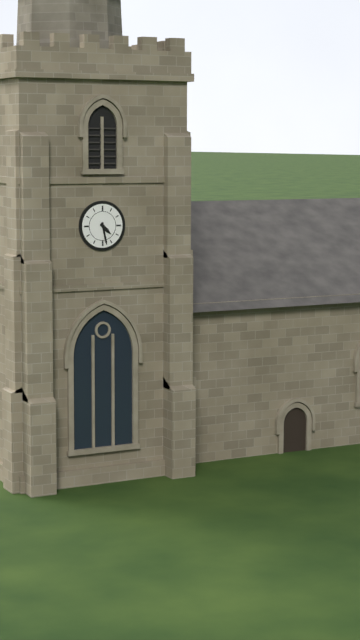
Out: 4:28
